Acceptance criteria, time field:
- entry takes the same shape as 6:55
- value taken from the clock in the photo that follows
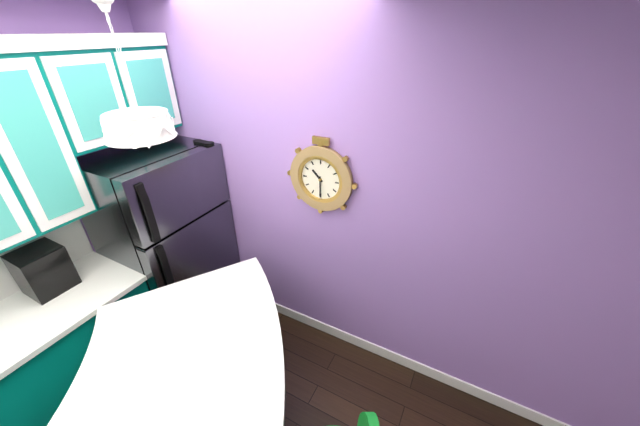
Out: 10:30
